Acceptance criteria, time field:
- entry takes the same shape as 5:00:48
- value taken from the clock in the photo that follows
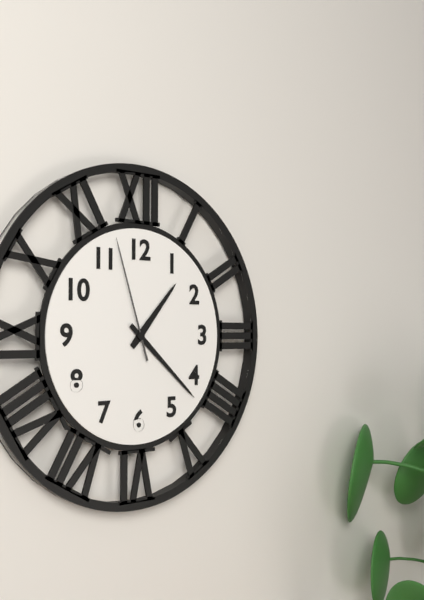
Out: 1:22:57
